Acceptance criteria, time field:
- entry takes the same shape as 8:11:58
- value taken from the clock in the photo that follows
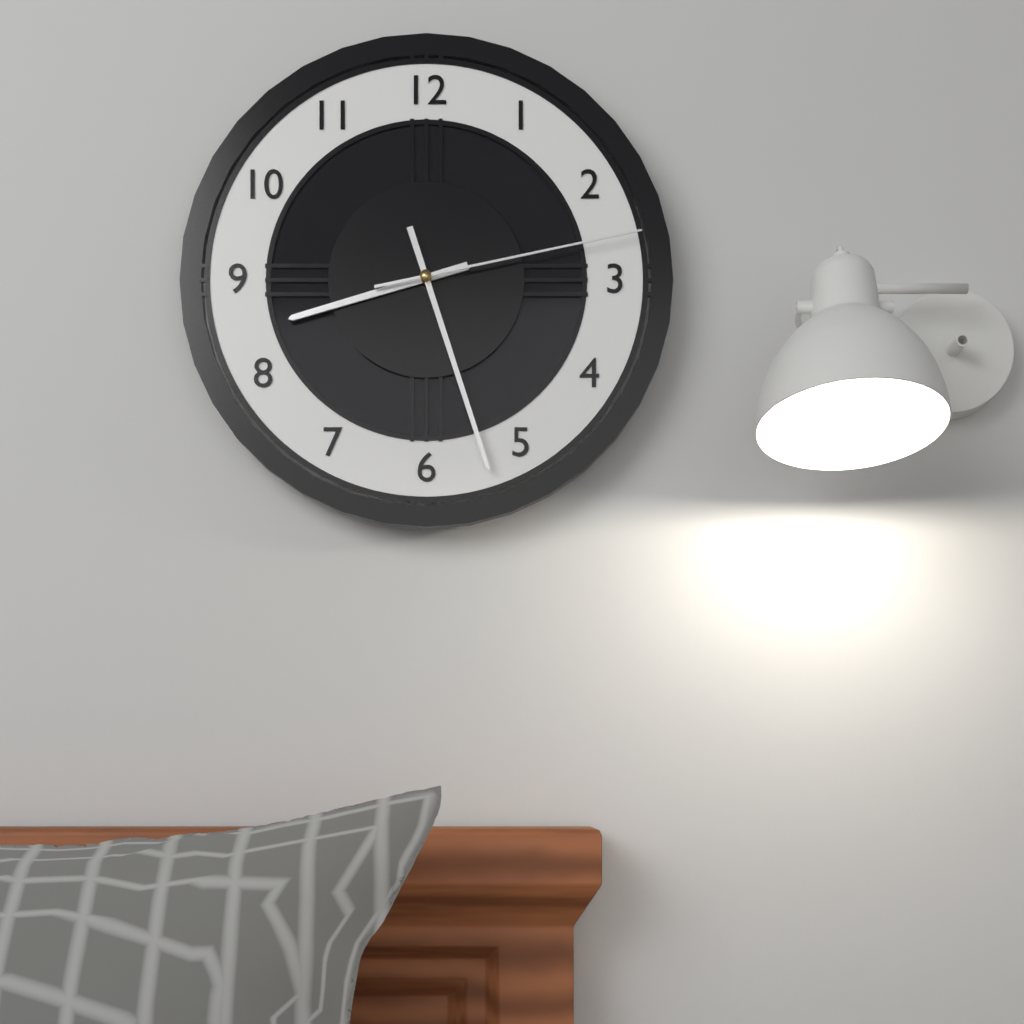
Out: 8:27:13
